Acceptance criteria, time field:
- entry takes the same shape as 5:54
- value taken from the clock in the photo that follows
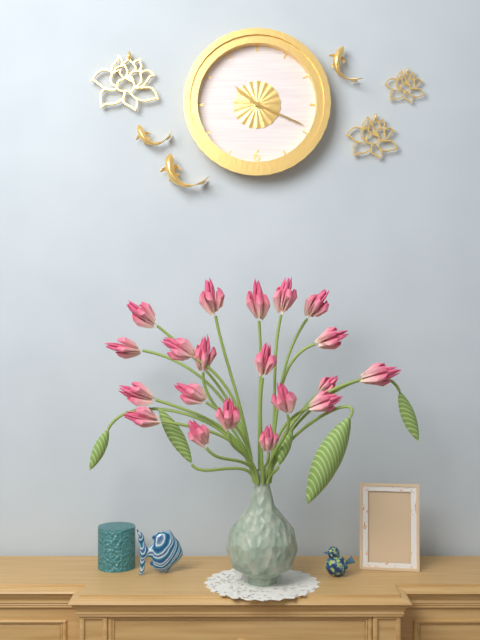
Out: 10:19
